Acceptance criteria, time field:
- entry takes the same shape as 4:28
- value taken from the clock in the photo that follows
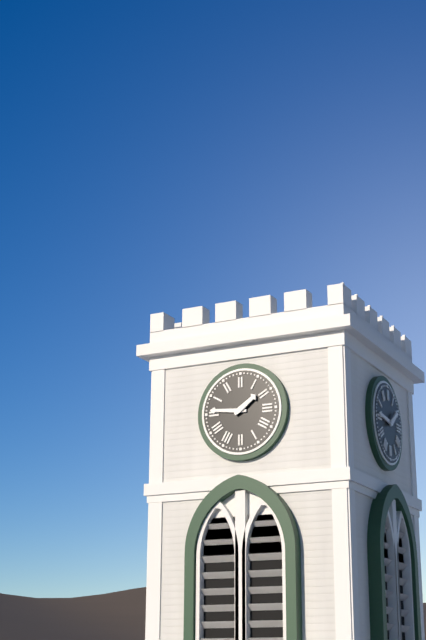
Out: 1:46
